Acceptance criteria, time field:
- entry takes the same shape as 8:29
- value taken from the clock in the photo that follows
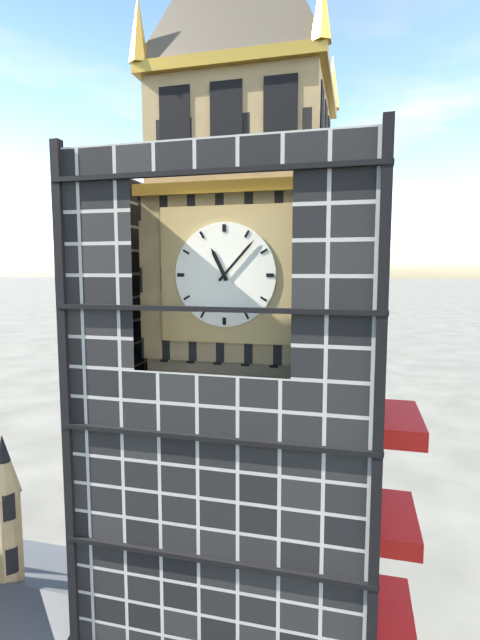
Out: 11:07
